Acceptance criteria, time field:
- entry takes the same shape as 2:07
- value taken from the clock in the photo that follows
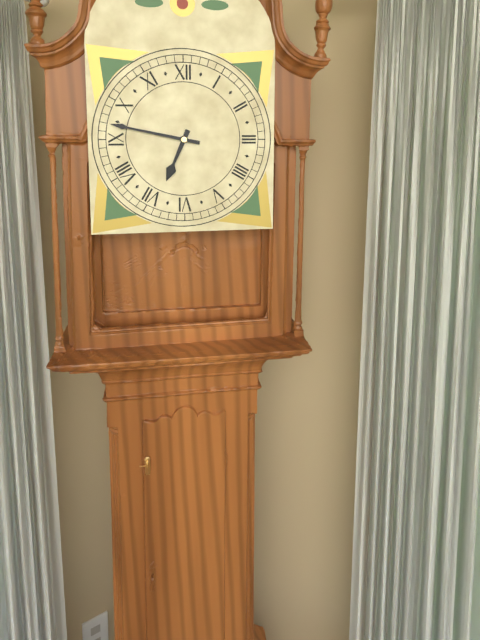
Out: 6:47
